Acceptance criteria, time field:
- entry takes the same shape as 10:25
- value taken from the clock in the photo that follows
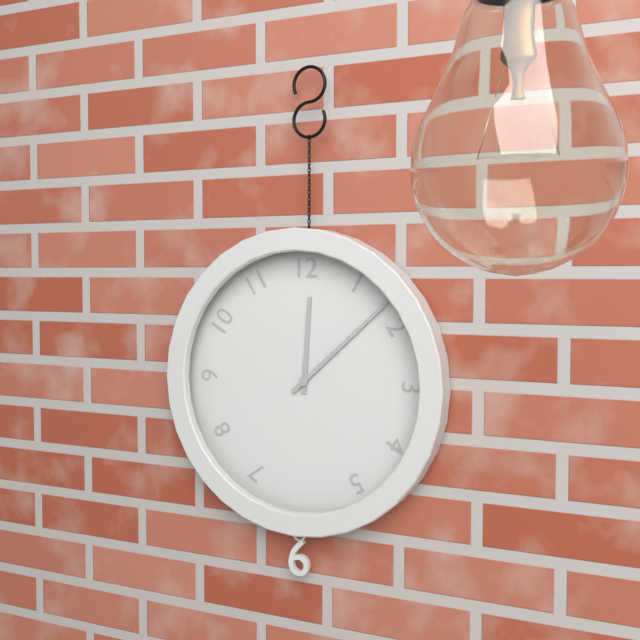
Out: 12:08
